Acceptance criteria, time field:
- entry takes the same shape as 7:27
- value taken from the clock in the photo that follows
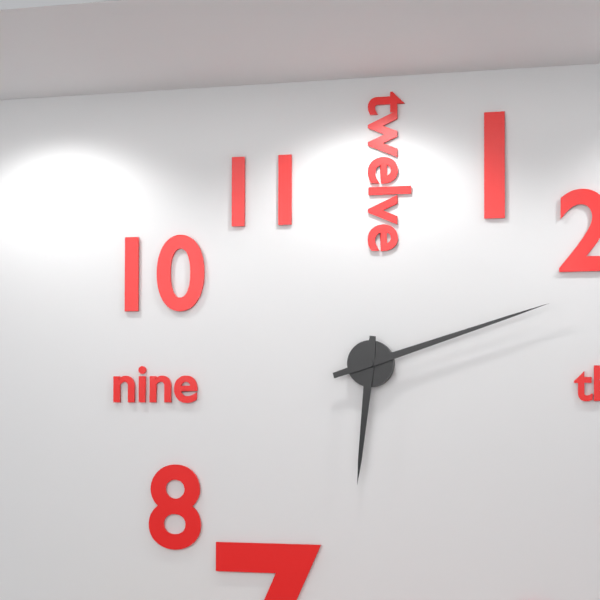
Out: 6:12
